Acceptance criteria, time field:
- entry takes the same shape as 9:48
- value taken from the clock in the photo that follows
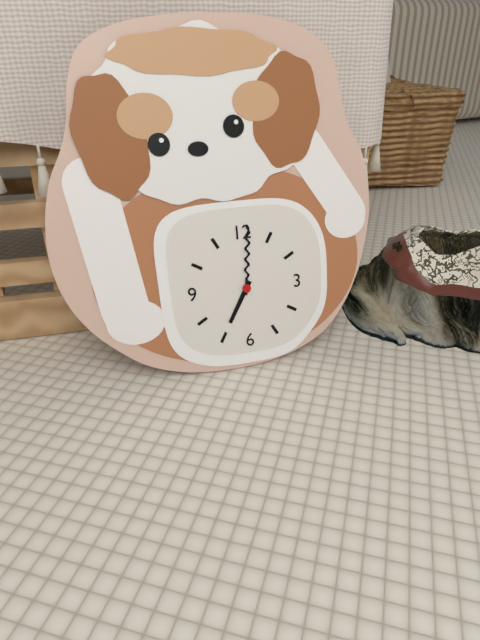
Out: 7:01
